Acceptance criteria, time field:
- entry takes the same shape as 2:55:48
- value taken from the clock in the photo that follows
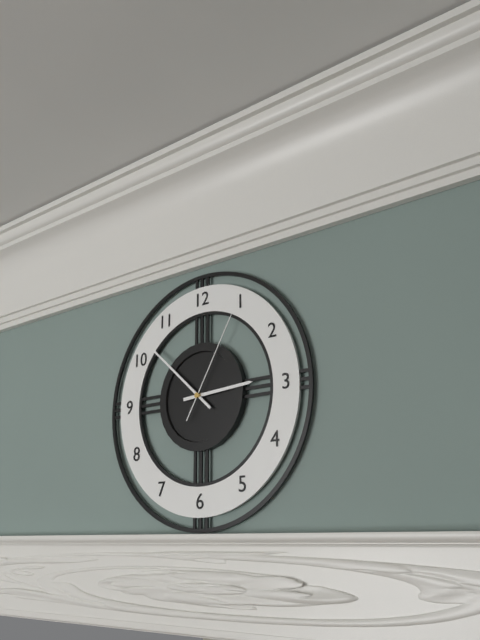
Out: 2:52:05
